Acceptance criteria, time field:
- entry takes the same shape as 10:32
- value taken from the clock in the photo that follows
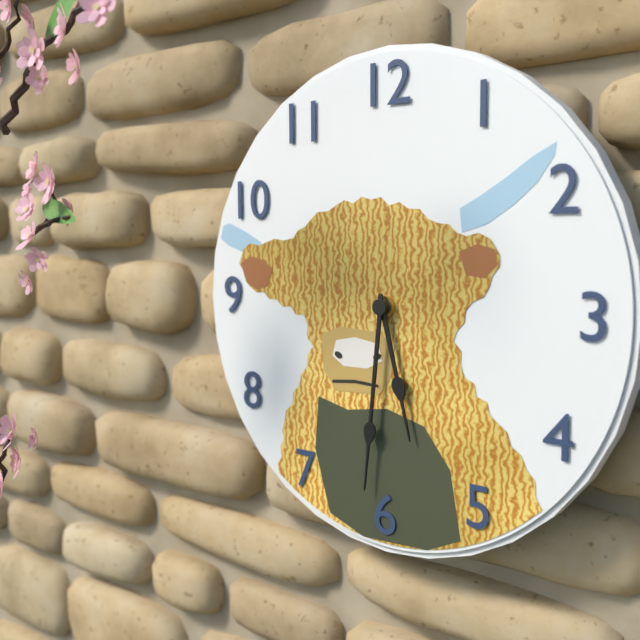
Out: 5:31
